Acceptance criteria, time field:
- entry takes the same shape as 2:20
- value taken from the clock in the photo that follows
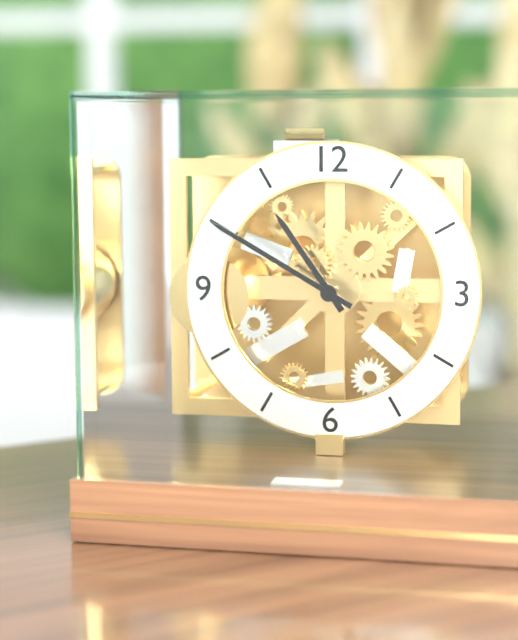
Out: 10:50
